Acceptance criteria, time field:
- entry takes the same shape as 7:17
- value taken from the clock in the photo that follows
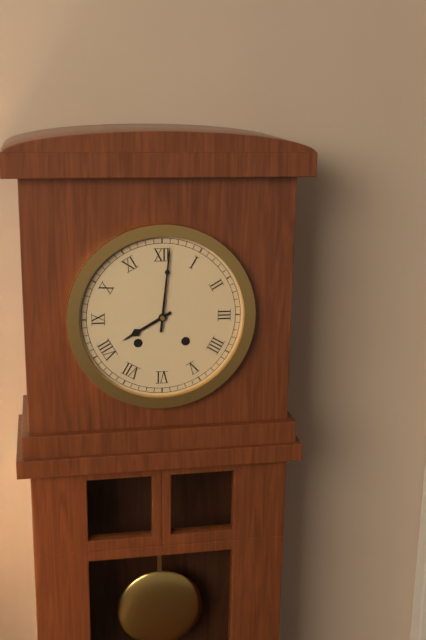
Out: 8:01
